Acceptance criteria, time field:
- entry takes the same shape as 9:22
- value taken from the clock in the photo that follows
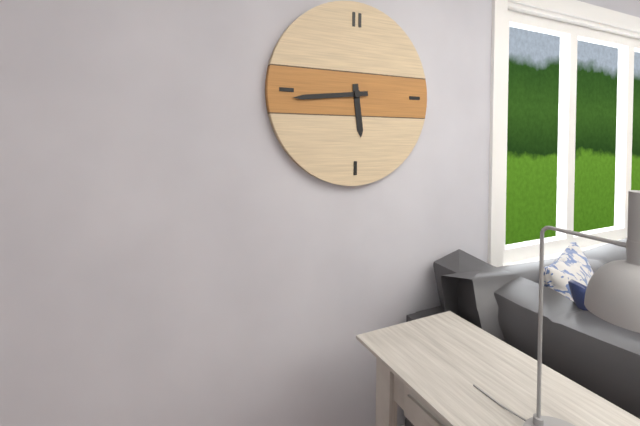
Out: 5:44
